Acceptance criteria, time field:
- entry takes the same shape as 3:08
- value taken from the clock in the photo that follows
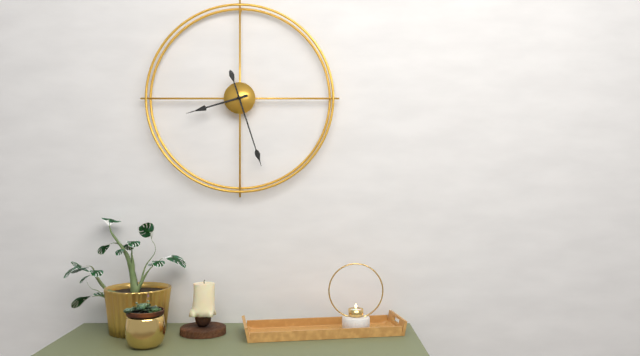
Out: 8:27
